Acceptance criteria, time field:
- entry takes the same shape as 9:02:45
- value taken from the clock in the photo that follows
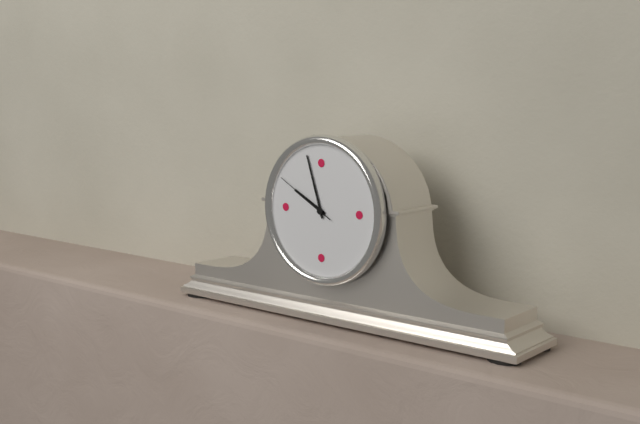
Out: 9:57:50
